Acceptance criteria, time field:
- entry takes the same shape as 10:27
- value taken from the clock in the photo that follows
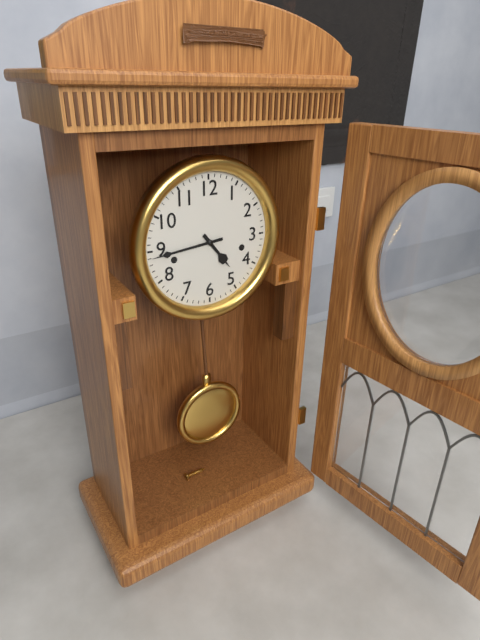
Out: 4:44
